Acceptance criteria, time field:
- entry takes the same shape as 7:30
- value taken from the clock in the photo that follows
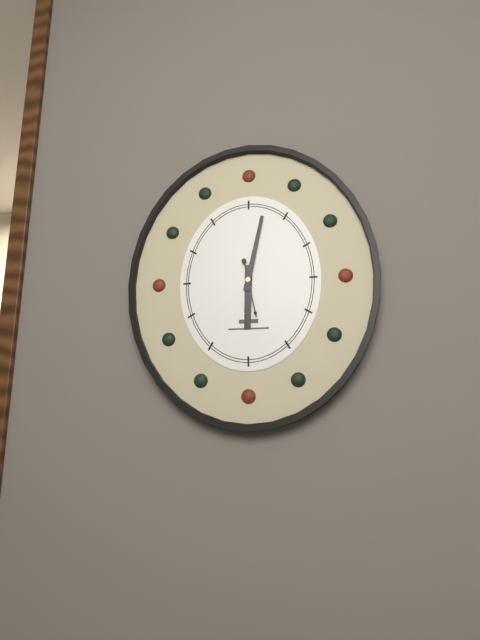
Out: 6:02
